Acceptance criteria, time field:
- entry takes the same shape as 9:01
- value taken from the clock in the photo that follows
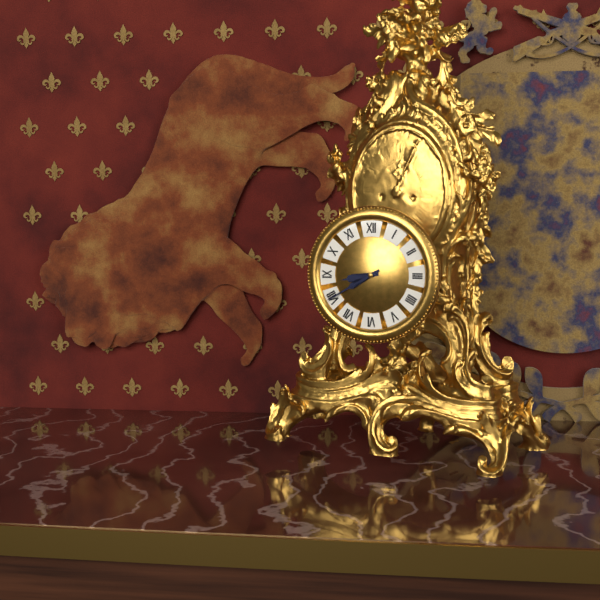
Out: 8:40
